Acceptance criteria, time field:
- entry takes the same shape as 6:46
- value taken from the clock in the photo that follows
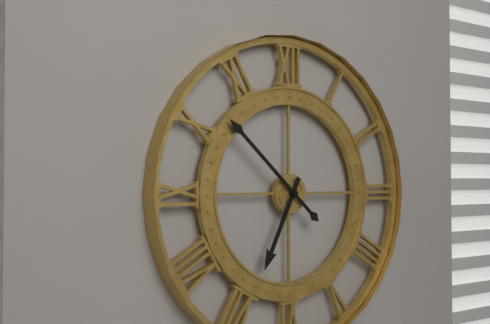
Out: 6:52
